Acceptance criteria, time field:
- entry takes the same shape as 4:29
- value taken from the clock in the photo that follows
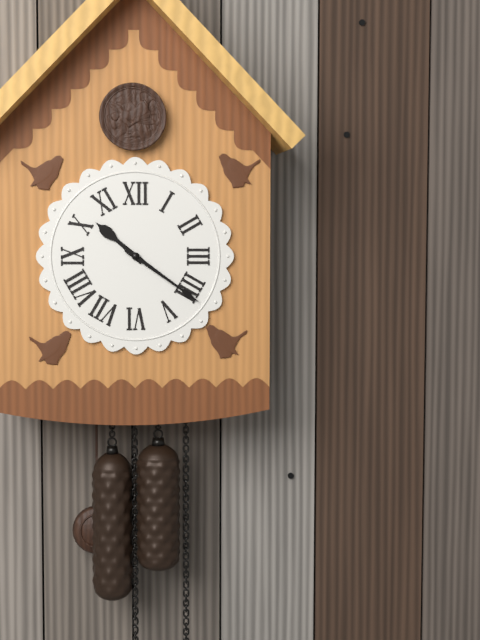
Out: 10:21
